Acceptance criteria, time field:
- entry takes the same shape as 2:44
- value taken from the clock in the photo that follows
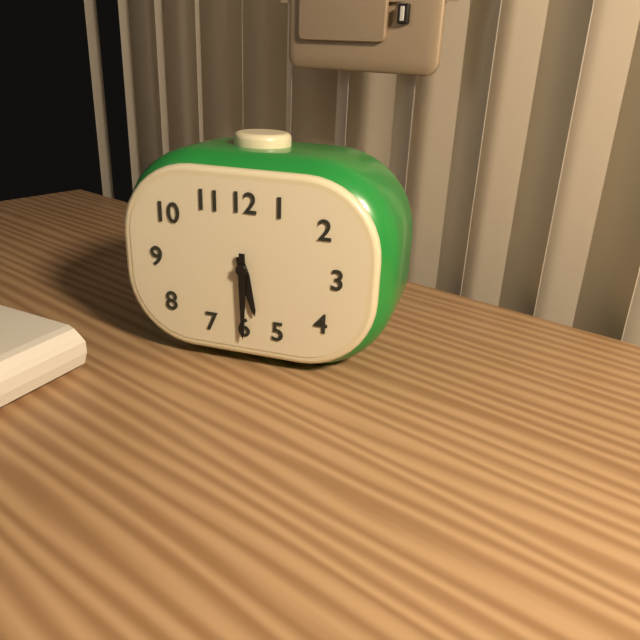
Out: 5:30
